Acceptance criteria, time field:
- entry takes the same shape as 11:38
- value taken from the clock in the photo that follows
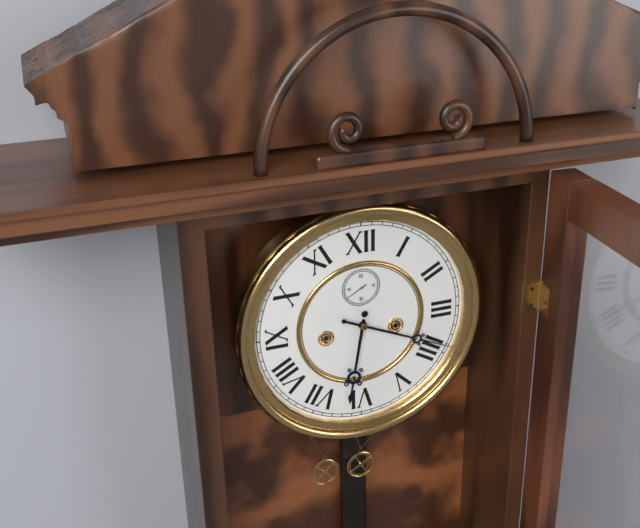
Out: 6:19
